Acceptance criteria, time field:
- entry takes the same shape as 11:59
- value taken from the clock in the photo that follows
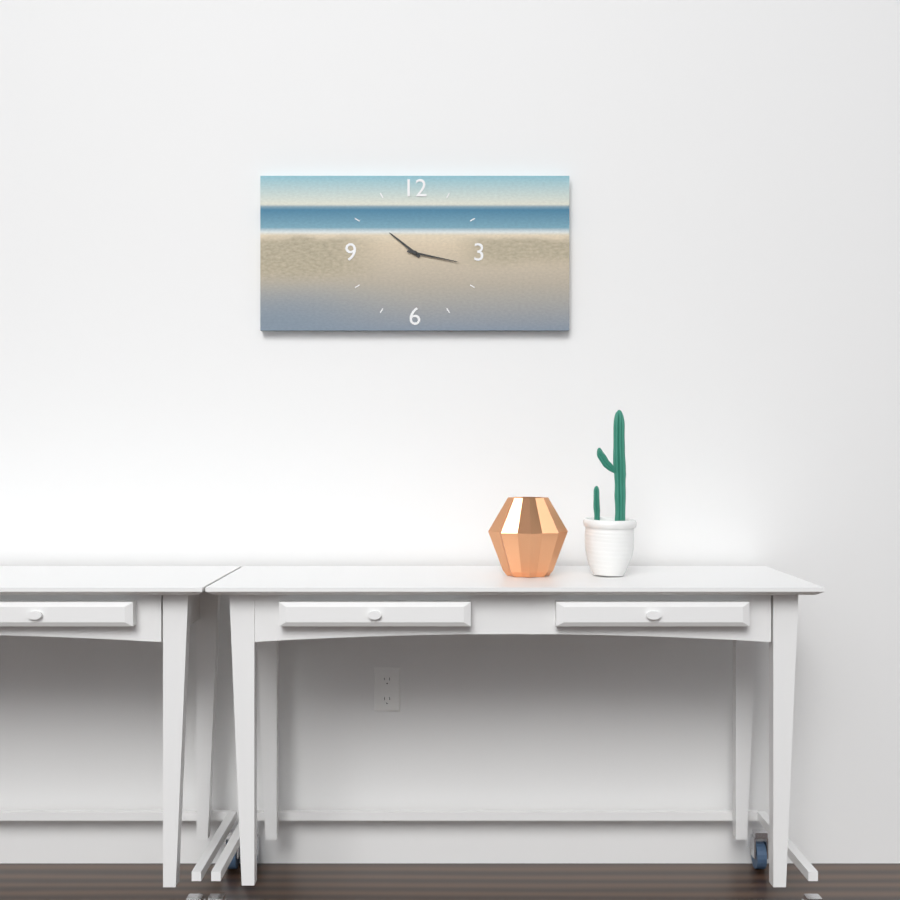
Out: 10:17
